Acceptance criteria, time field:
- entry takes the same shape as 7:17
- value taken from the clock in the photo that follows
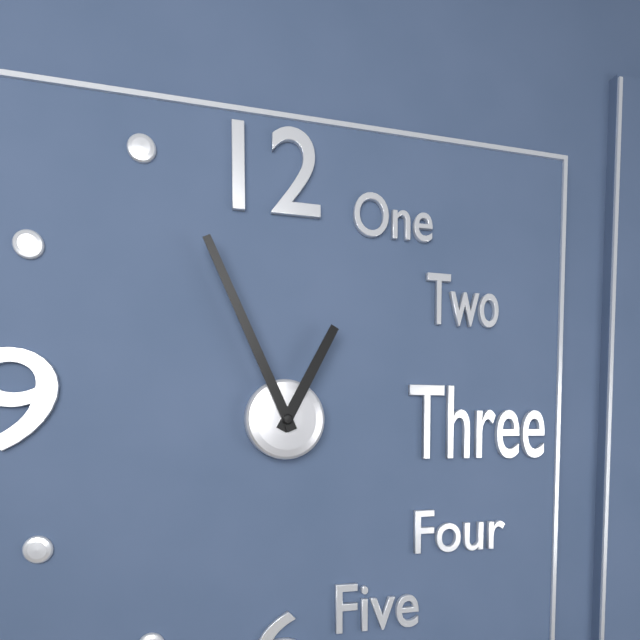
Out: 12:56
